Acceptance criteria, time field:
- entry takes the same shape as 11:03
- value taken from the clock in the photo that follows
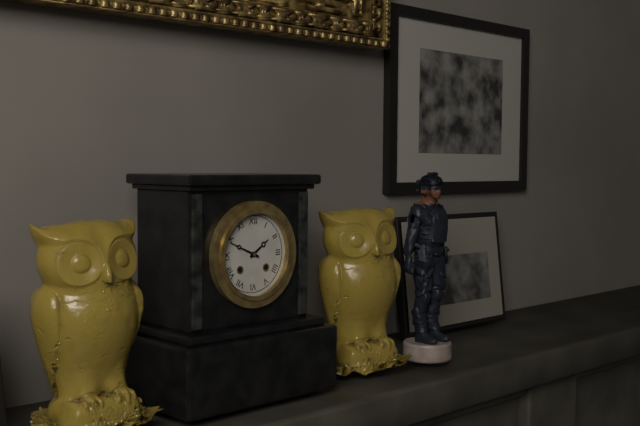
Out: 1:49
